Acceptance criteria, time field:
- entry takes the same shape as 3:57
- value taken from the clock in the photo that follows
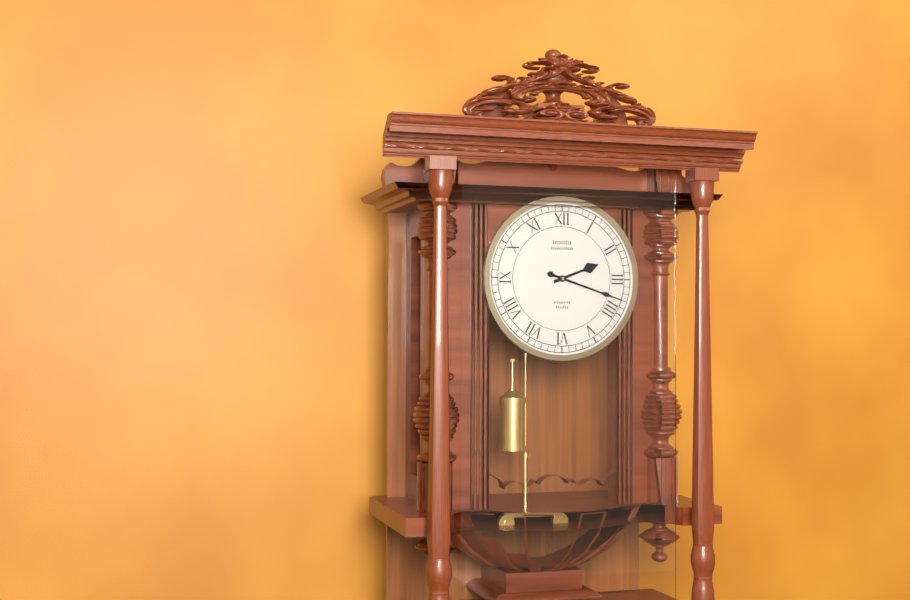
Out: 2:18
